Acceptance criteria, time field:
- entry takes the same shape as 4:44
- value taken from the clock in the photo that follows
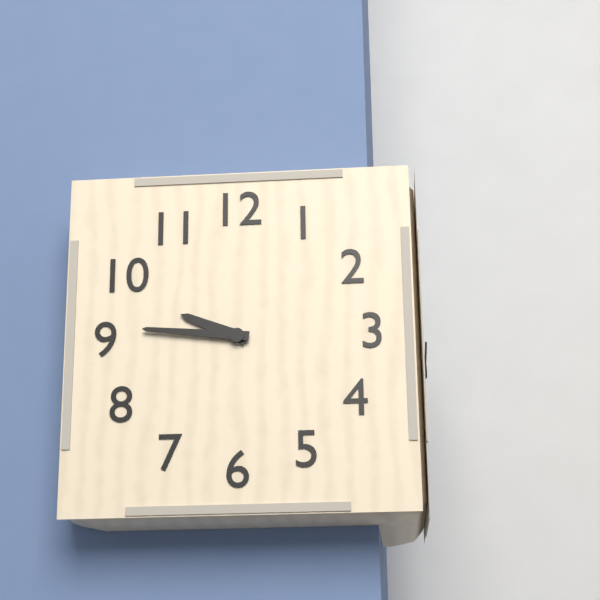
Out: 9:46
